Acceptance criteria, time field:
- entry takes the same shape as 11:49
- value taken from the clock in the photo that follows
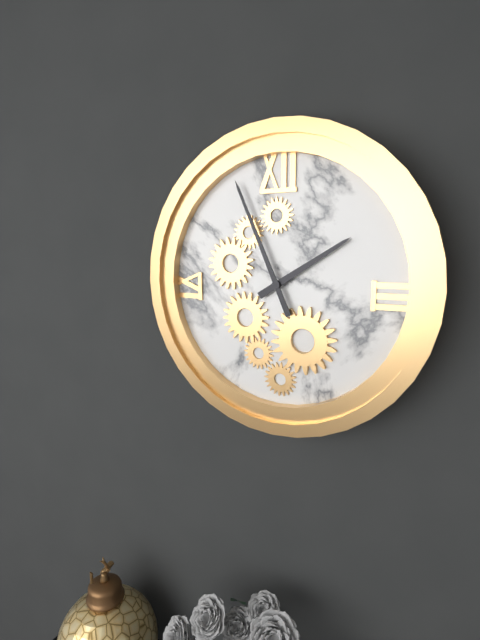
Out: 1:56
